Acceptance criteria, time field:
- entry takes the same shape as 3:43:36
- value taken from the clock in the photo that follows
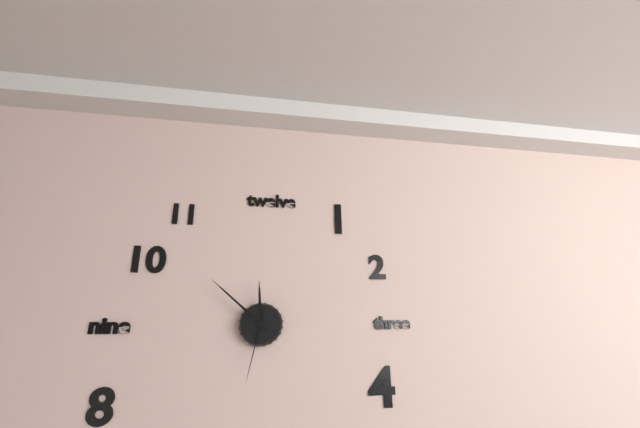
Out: 11:52:32
